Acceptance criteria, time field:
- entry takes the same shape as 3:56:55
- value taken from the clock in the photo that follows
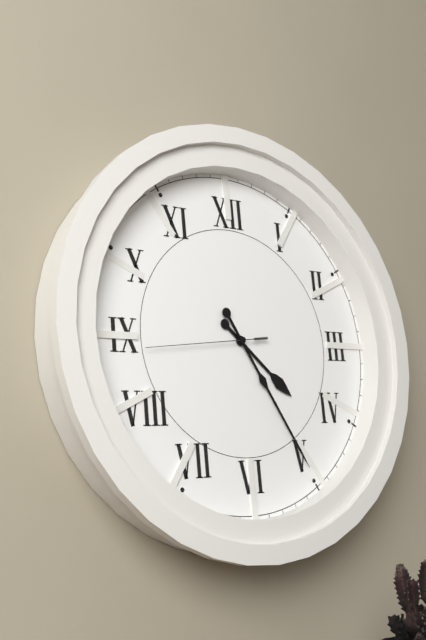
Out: 4:25:44
